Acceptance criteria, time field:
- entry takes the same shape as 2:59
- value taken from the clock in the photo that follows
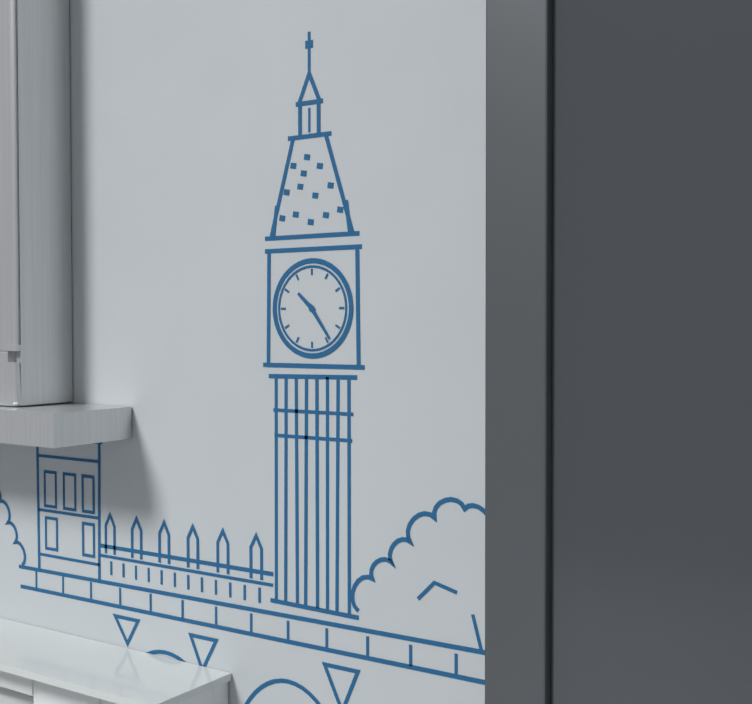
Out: 10:24
